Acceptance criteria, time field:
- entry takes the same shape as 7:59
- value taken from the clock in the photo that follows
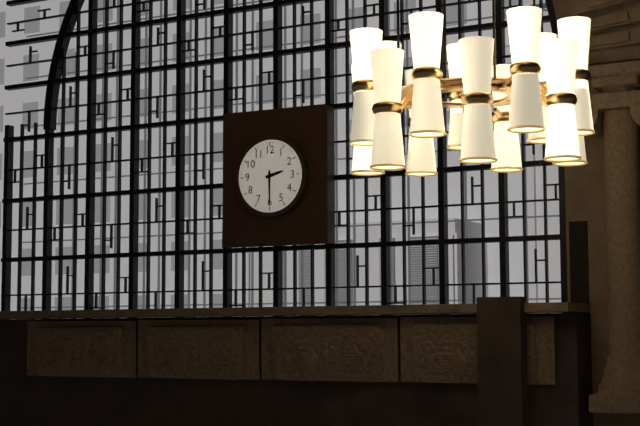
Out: 2:30
